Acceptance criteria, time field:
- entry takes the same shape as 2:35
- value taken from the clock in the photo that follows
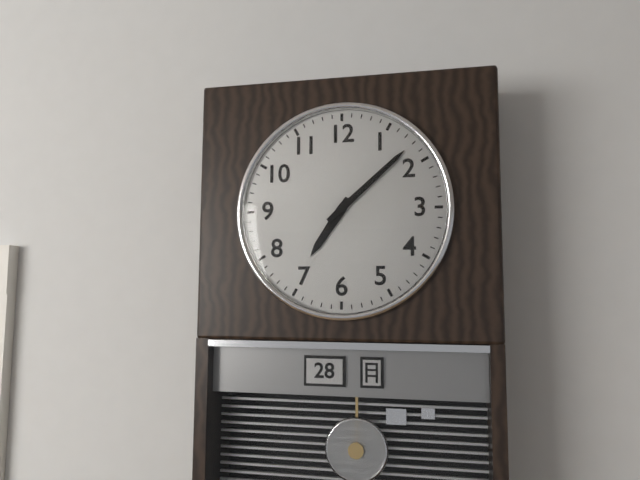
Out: 7:08
